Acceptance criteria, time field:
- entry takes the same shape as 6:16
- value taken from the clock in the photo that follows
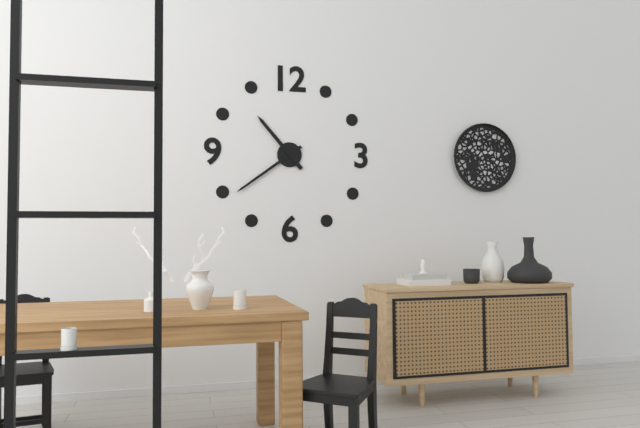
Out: 10:39
